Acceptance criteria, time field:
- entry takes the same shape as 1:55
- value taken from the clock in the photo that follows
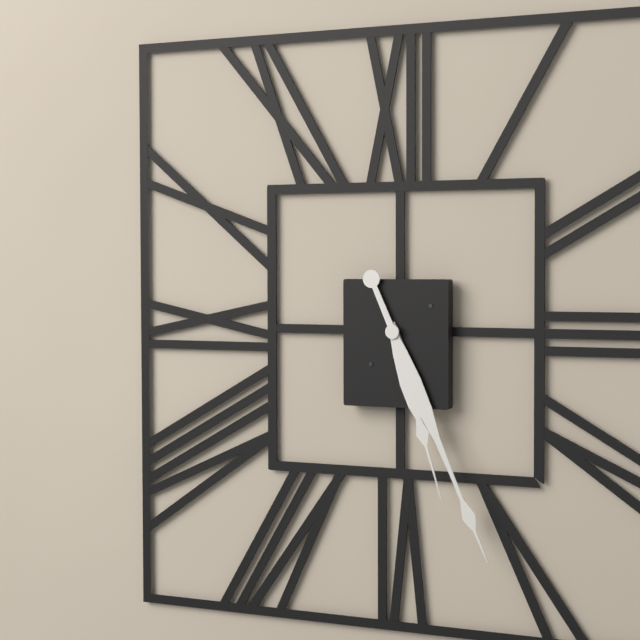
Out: 5:26
